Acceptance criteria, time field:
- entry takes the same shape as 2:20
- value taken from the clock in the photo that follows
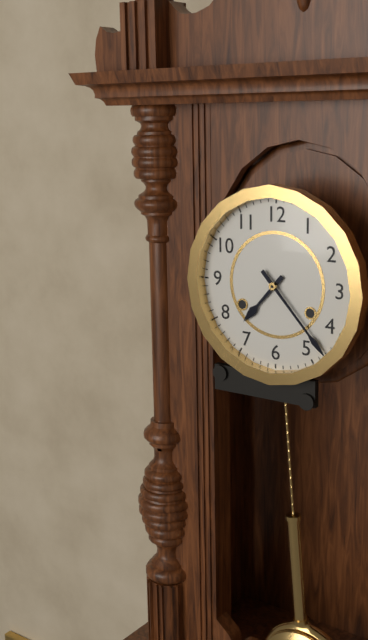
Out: 7:23
